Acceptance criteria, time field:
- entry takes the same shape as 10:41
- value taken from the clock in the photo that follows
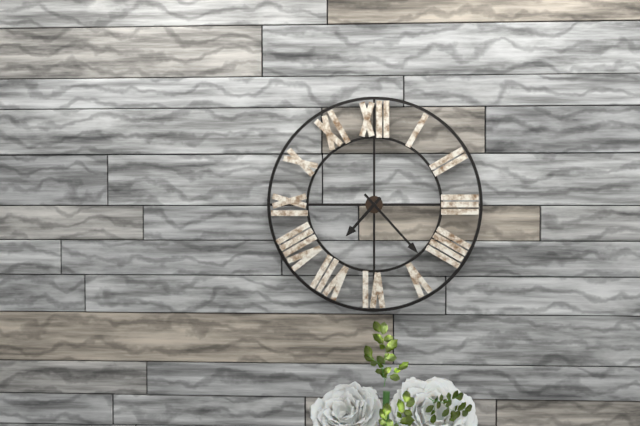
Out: 7:23
